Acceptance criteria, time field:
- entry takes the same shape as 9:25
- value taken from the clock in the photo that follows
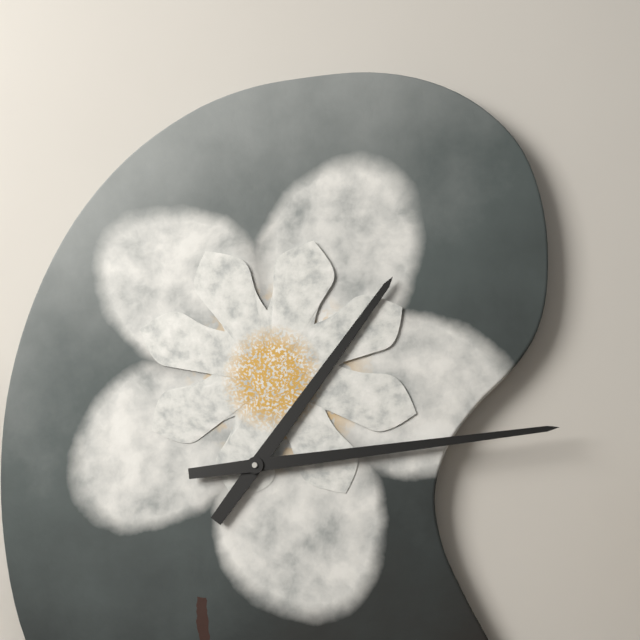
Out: 1:14
